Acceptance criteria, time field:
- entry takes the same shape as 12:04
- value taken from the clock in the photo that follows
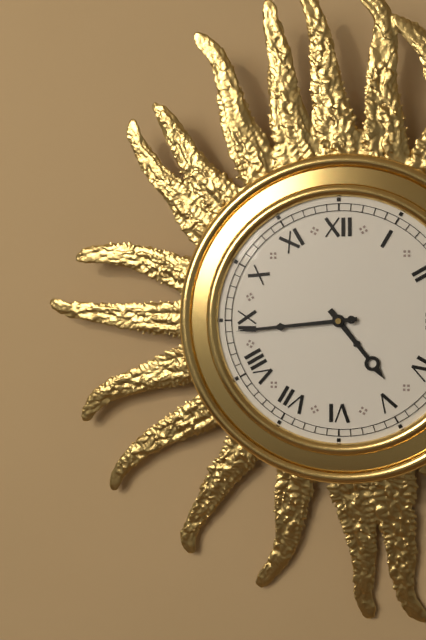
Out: 4:44
